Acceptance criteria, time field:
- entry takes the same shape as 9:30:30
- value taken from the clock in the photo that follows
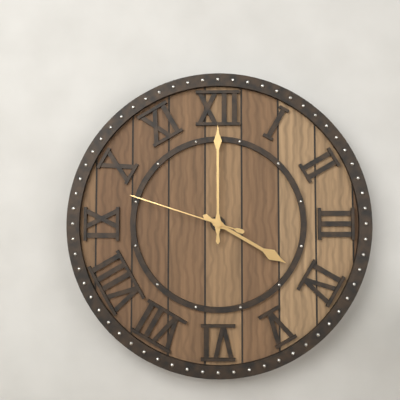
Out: 4:00:48
